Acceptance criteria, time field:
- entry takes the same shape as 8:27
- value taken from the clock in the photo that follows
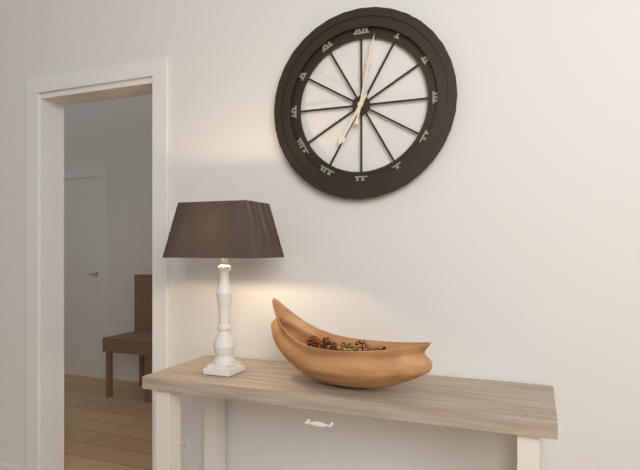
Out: 7:02
